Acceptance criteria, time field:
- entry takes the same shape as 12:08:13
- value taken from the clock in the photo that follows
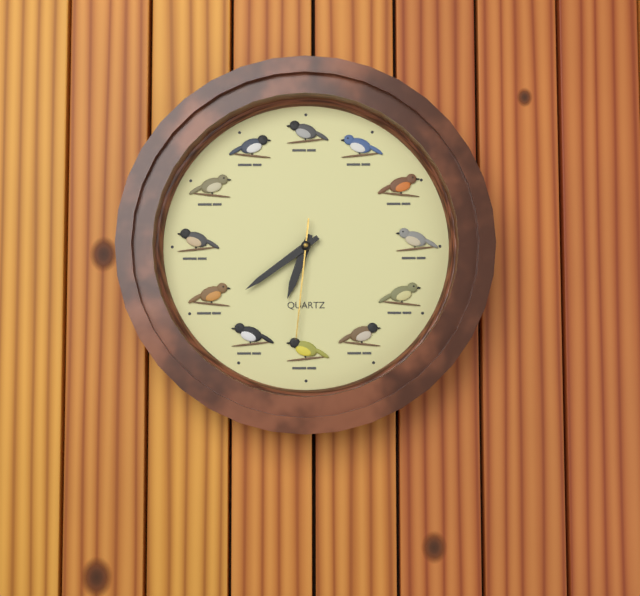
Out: 6:39:31
